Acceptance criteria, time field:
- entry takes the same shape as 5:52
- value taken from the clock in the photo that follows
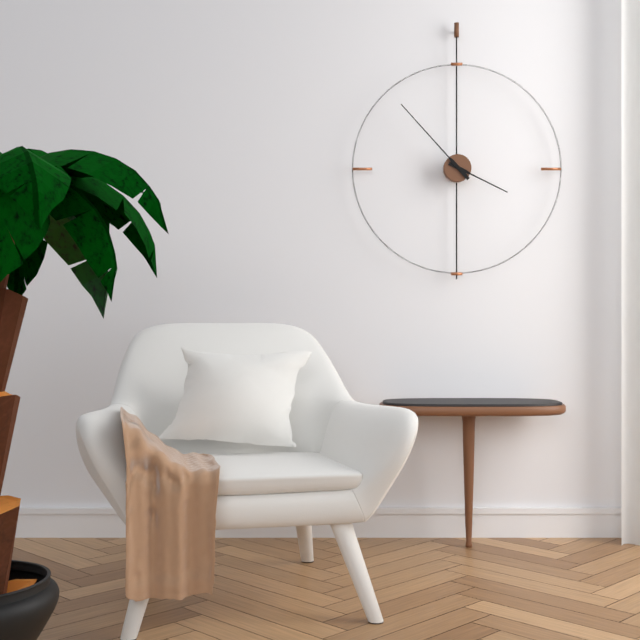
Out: 3:53
